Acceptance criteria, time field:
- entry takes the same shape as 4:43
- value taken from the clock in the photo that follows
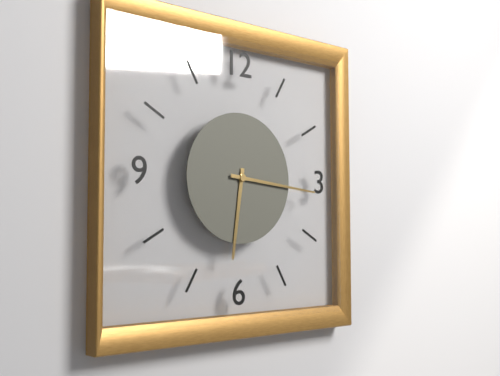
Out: 6:16
